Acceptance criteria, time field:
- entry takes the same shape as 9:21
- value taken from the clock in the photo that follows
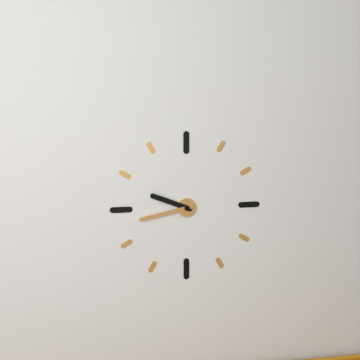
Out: 9:43
